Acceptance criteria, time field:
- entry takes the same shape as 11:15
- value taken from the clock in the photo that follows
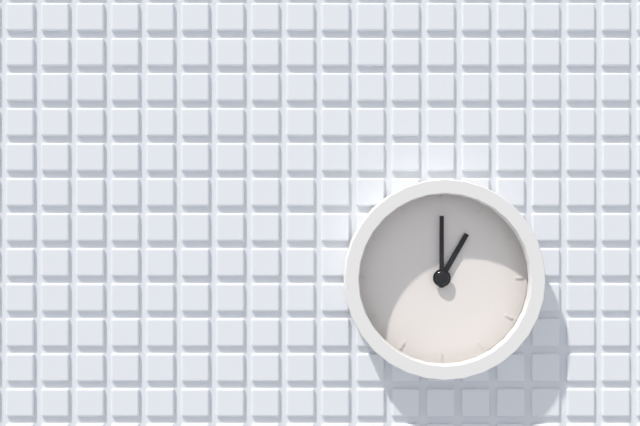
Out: 1:00
